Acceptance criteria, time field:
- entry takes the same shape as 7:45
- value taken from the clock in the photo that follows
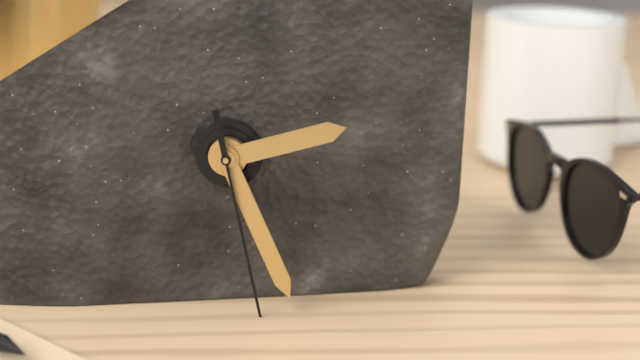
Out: 2:26
